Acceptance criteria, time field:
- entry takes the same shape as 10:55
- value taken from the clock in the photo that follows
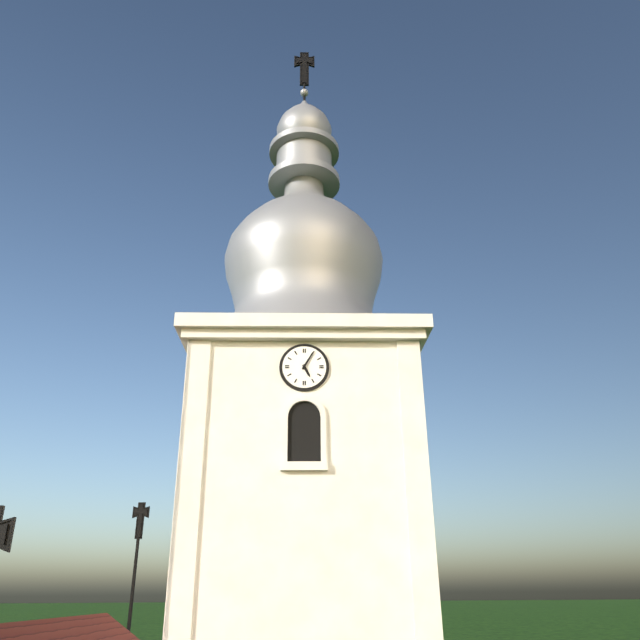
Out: 5:05
